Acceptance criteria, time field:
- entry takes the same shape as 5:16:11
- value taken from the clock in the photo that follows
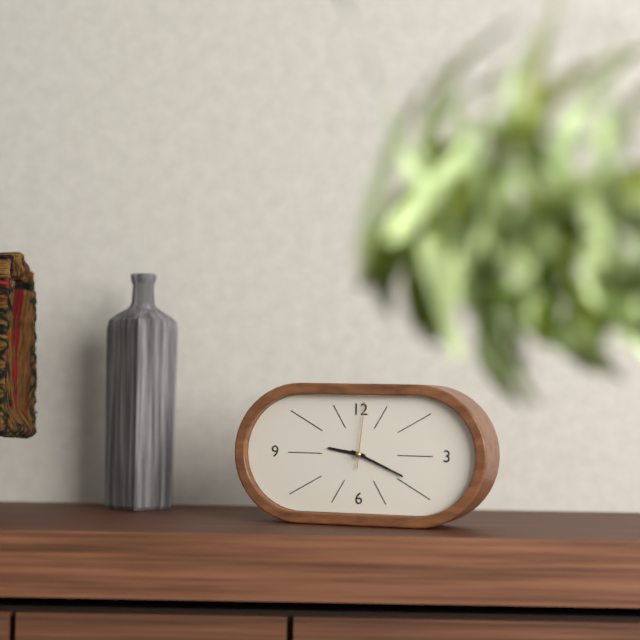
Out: 9:19:01
